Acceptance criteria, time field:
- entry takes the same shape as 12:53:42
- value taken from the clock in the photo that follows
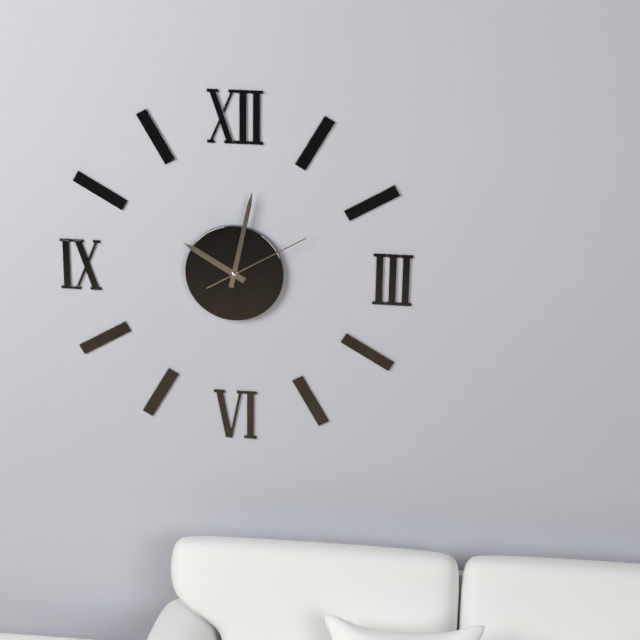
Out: 10:02:10
